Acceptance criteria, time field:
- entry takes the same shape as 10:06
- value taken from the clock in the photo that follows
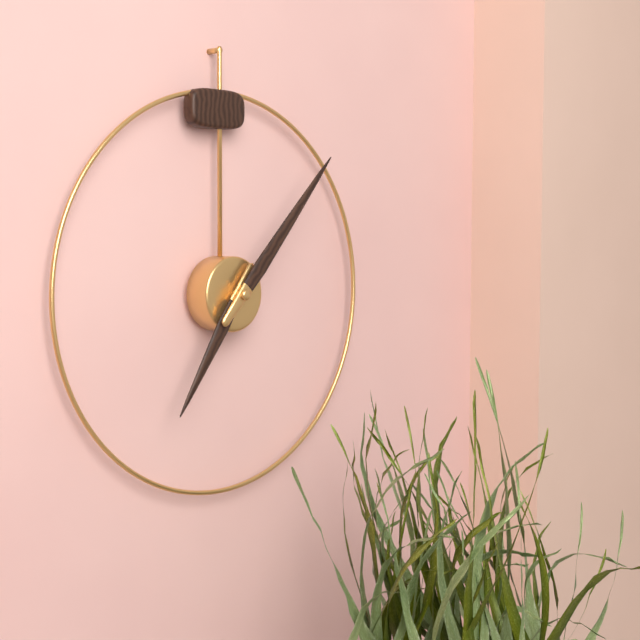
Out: 7:07
